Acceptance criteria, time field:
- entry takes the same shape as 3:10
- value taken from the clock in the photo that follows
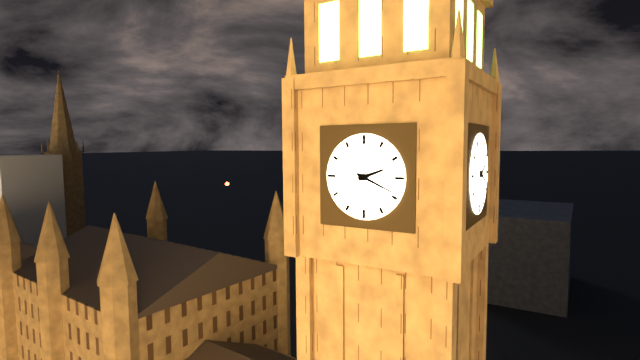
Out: 2:19
